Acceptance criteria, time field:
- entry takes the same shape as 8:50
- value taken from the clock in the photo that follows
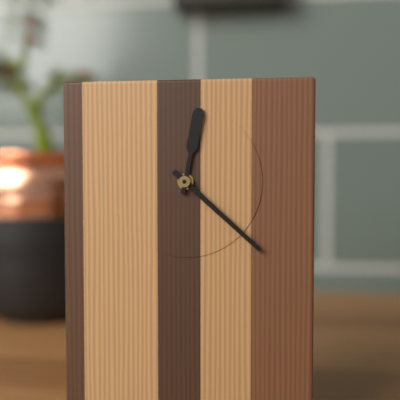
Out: 12:22
